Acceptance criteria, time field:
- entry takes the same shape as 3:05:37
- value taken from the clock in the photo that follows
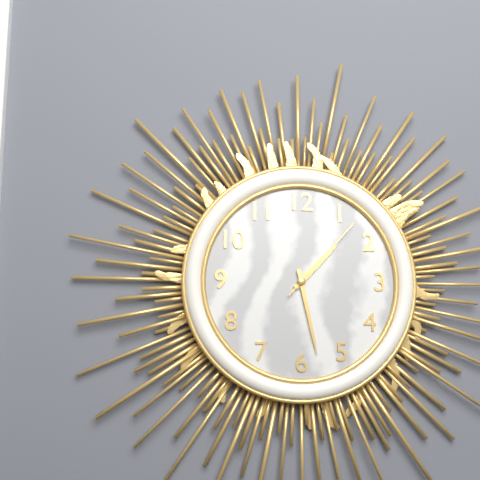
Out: 1:28:07
